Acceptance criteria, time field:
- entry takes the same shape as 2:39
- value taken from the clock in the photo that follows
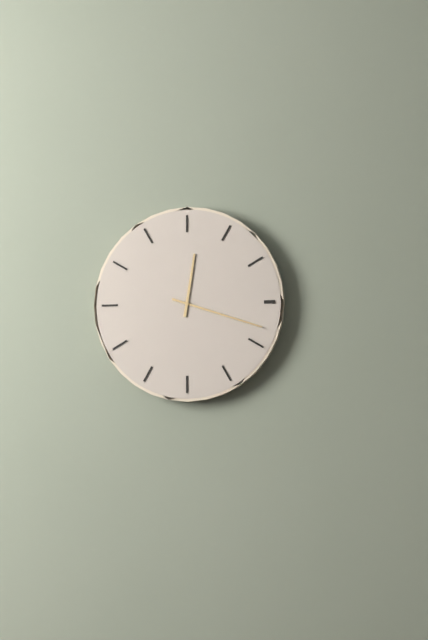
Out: 12:18
